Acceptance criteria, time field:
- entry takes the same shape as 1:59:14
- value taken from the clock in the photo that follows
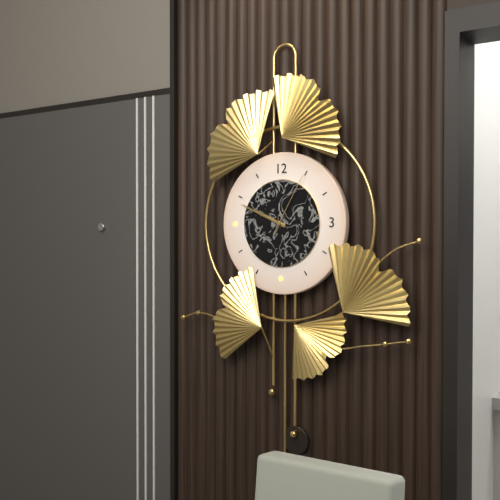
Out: 9:49:05
